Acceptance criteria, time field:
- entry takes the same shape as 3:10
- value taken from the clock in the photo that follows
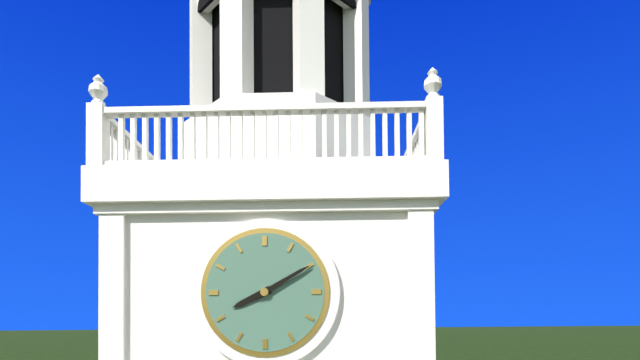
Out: 8:10
